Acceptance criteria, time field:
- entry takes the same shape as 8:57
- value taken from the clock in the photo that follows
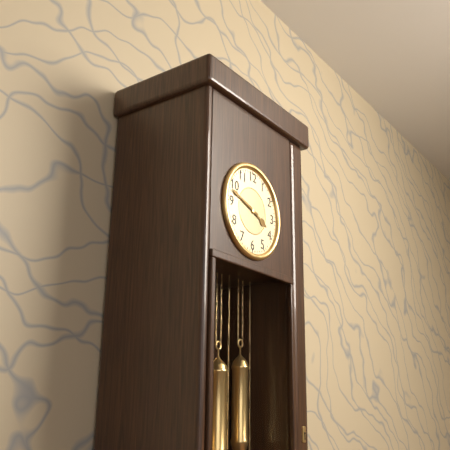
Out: 3:48
